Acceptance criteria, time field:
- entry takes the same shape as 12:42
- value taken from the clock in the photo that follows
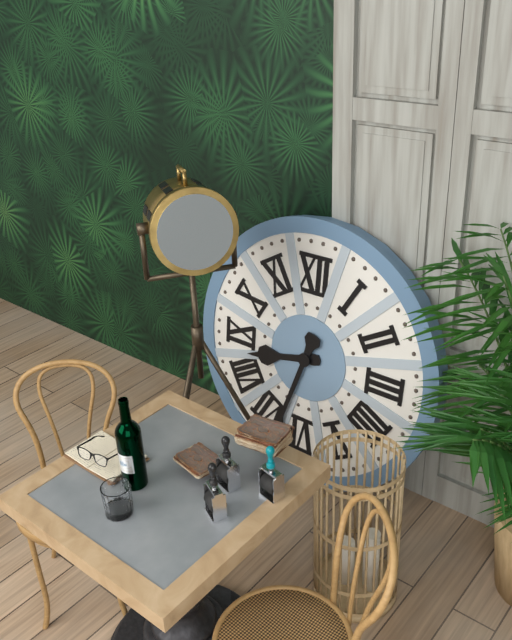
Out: 8:33
